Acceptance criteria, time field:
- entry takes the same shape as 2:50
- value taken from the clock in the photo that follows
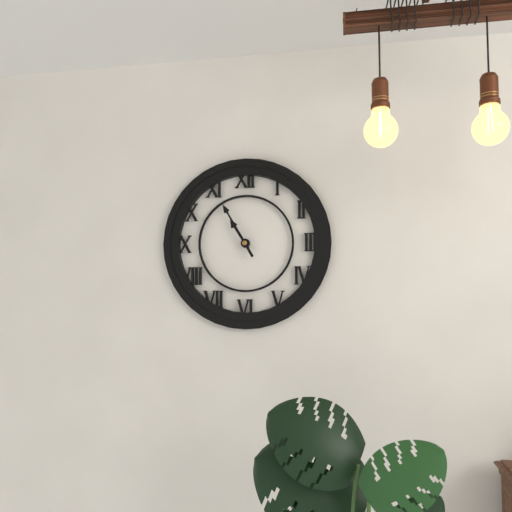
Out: 10:55
